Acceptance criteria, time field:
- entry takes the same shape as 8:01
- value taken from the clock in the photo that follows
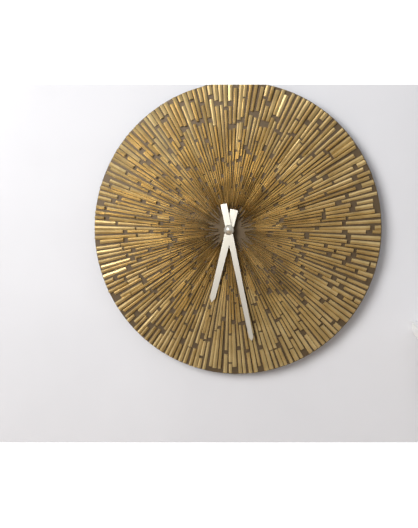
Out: 6:28
